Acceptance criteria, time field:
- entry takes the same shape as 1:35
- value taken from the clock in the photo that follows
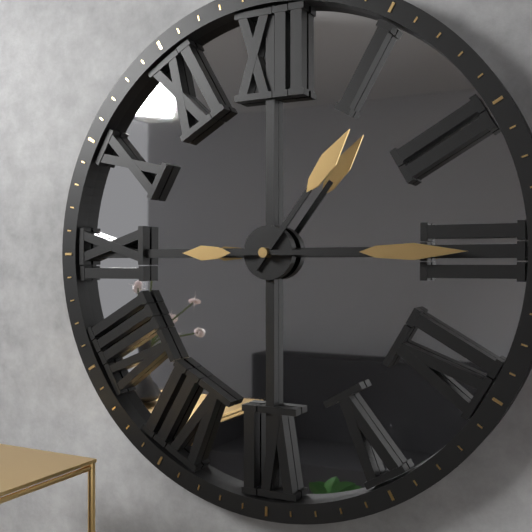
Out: 1:15
